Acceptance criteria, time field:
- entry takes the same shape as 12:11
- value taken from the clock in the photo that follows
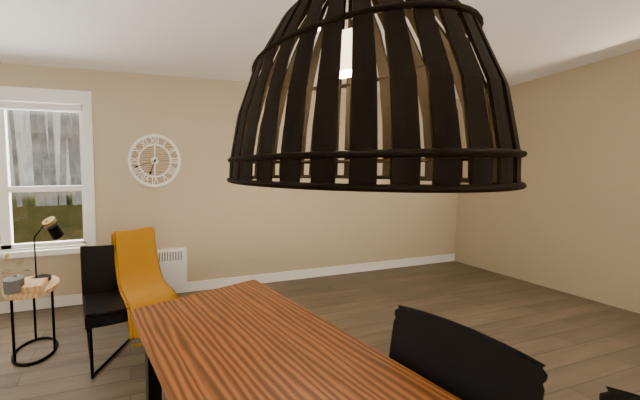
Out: 6:42
